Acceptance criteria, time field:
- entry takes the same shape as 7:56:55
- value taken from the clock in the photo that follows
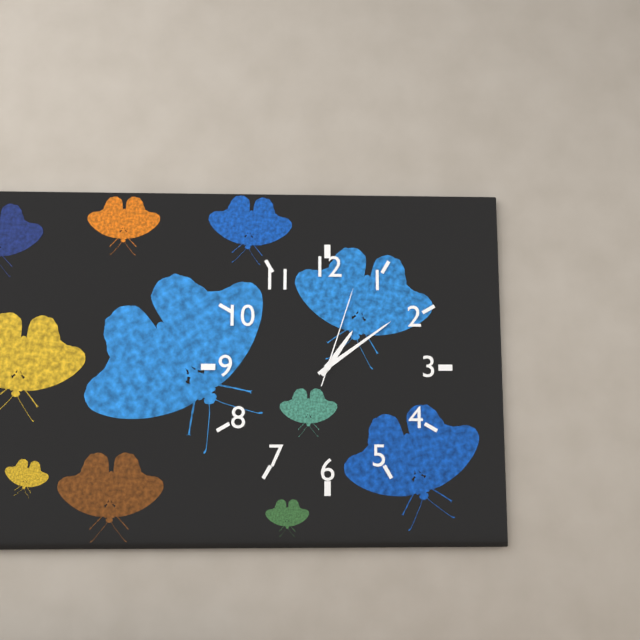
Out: 1:09:03
